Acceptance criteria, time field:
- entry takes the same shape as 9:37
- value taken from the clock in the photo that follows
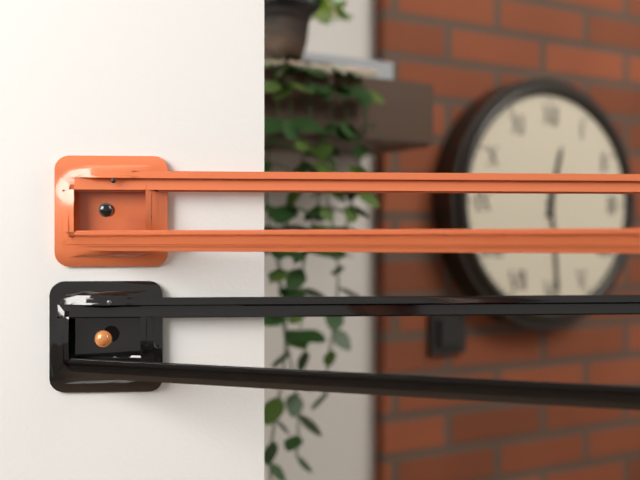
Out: 12:29
